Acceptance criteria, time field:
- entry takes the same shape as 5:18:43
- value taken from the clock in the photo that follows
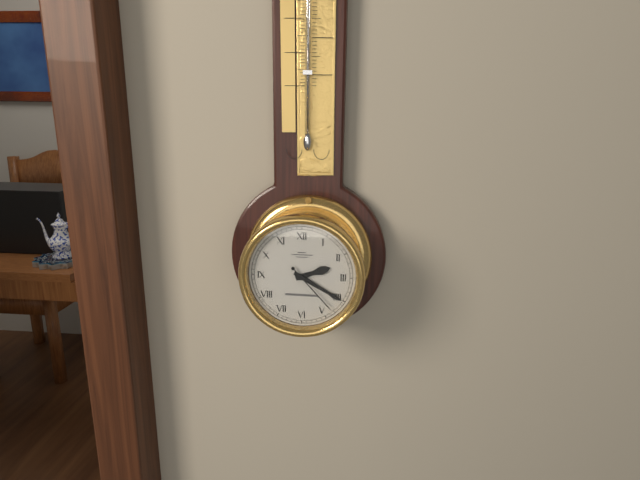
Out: 2:20:23
